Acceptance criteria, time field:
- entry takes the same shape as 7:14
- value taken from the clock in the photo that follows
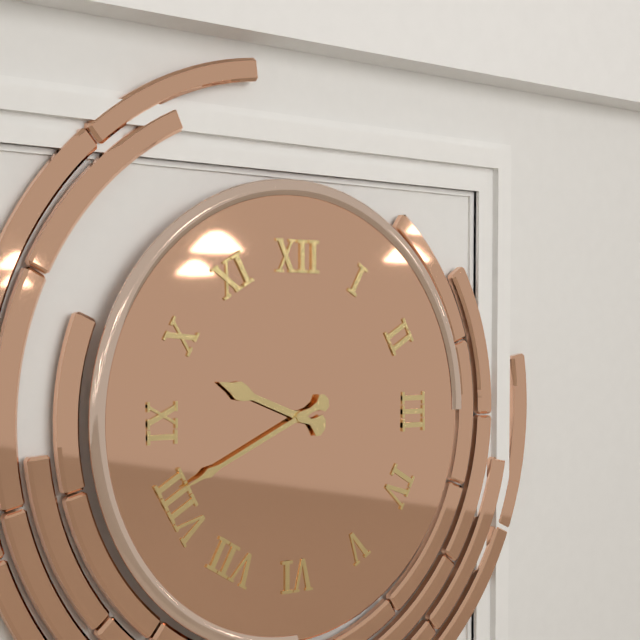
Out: 9:41
